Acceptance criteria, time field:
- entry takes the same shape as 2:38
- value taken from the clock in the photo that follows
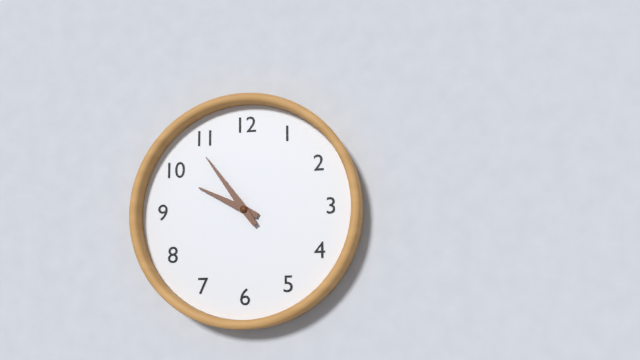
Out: 9:54
